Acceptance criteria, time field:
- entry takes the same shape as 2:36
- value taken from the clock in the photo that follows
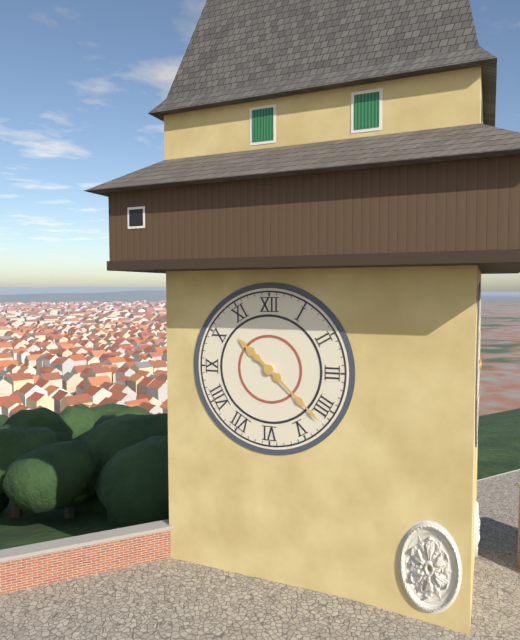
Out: 10:22
